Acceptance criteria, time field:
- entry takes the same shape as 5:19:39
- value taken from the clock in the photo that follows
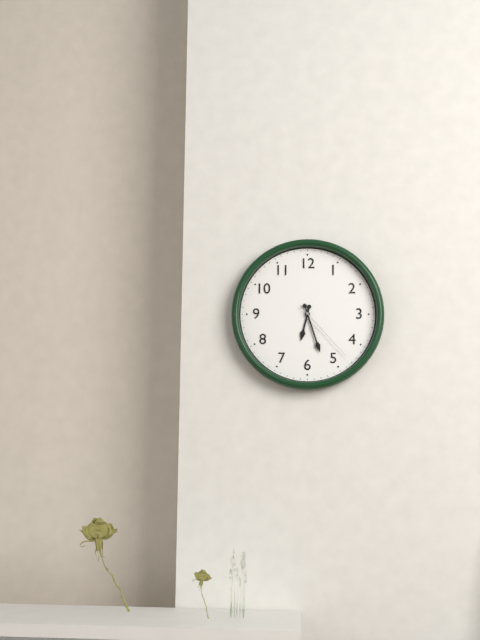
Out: 6:27:23
